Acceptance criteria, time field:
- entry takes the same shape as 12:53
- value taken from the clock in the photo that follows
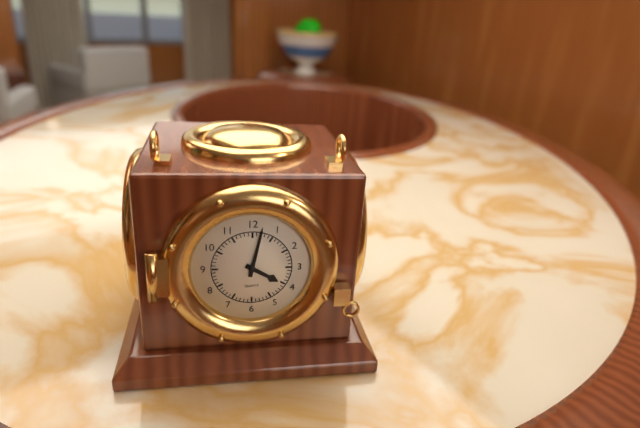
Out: 4:02
